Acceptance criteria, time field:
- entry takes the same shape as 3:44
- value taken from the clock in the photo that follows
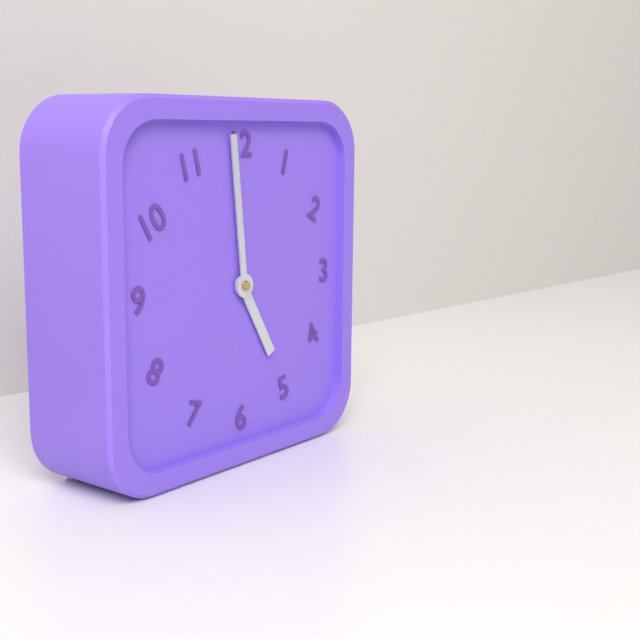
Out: 4:59
